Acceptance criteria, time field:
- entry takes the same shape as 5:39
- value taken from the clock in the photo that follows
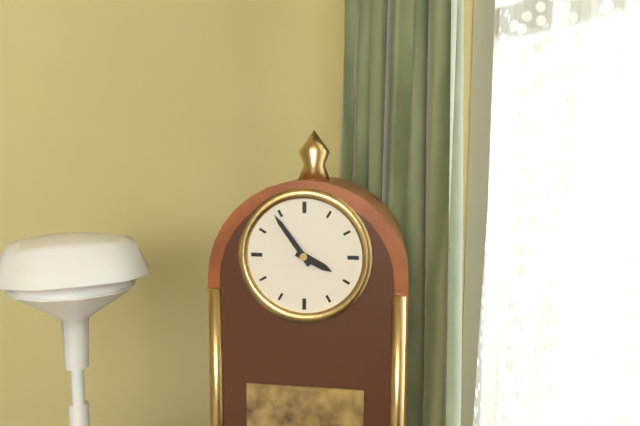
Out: 3:54
